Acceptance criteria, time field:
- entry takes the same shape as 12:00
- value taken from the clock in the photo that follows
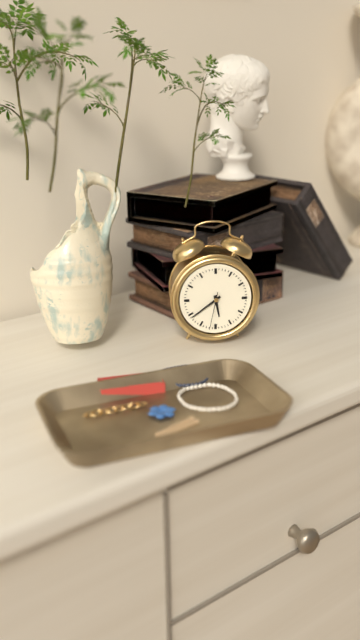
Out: 5:39
